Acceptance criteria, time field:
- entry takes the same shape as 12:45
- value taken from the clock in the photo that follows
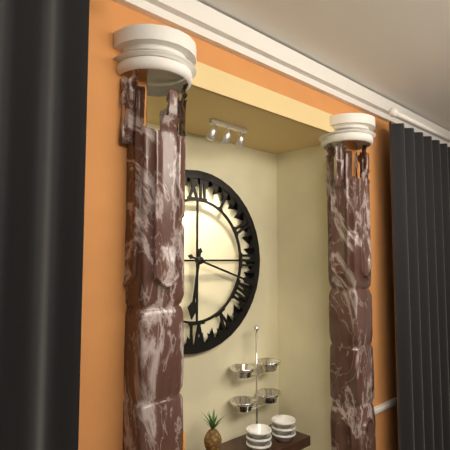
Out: 6:18
